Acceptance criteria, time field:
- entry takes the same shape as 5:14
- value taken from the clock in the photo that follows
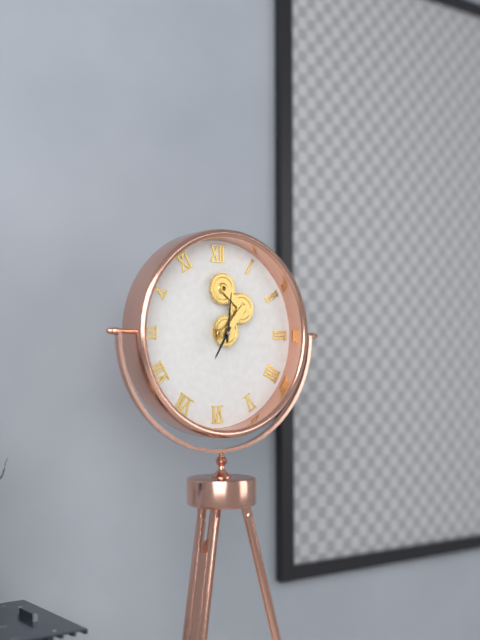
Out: 7:01
